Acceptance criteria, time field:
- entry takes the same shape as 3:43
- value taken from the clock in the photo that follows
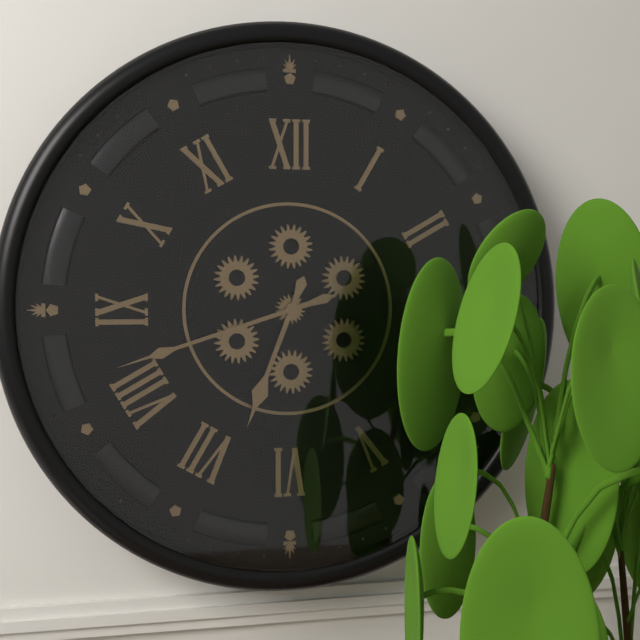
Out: 6:42
